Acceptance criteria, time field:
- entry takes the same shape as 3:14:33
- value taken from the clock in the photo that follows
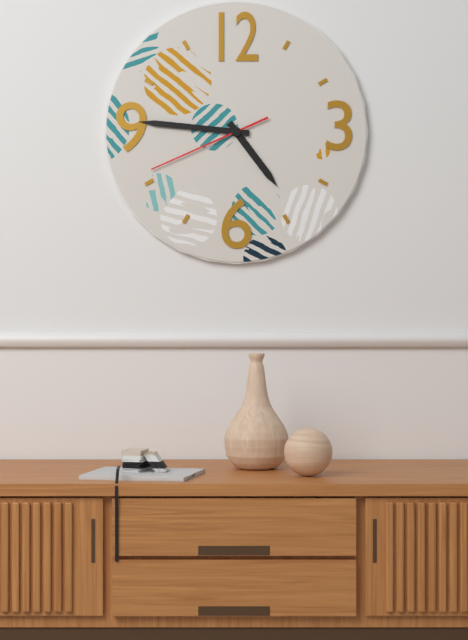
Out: 4:46:41
